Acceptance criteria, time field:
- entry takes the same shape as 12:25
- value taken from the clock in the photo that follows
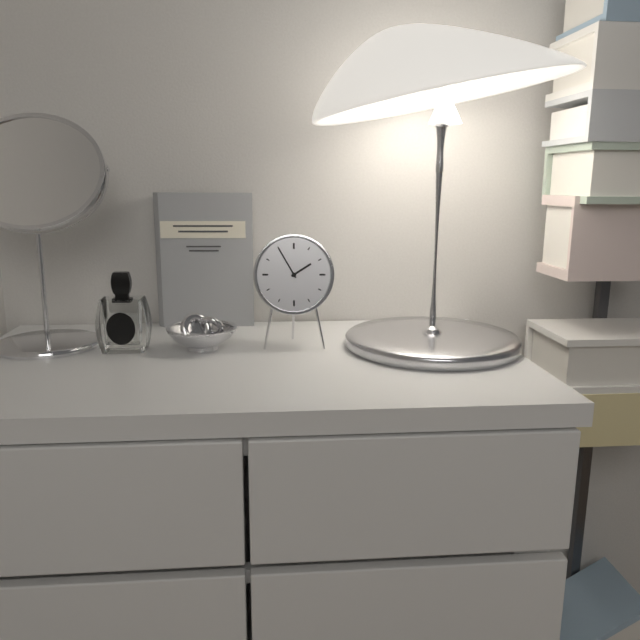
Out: 1:55
